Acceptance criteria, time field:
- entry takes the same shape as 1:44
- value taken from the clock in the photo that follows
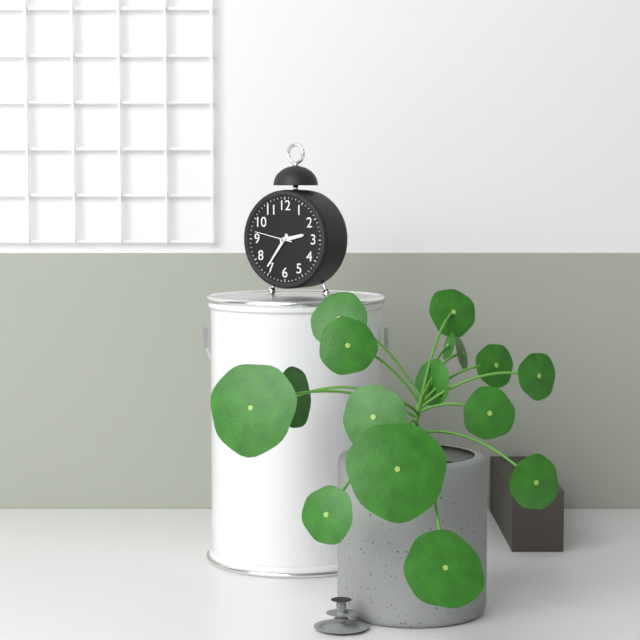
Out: 2:36
